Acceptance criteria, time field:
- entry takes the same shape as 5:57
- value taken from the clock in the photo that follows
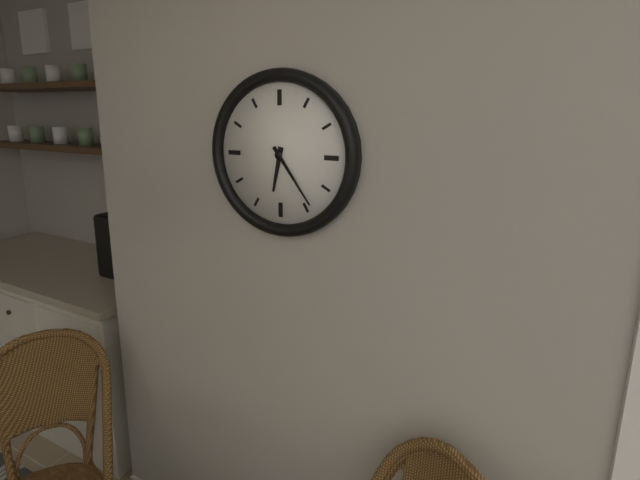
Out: 6:24
